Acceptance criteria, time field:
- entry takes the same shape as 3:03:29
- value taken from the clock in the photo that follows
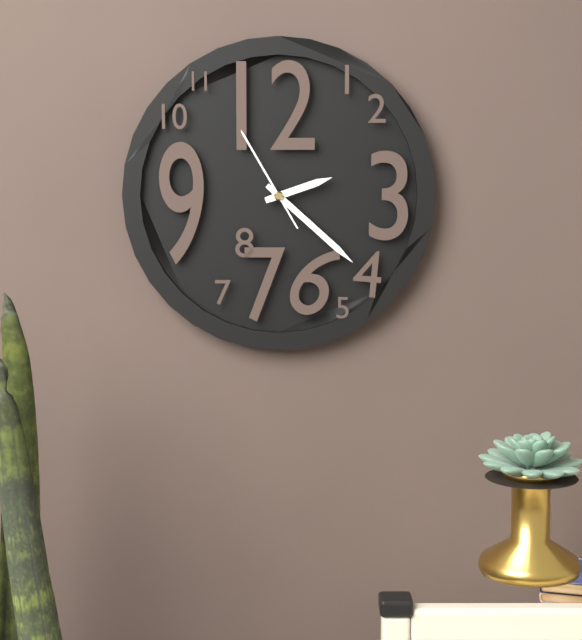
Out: 2:22:55
